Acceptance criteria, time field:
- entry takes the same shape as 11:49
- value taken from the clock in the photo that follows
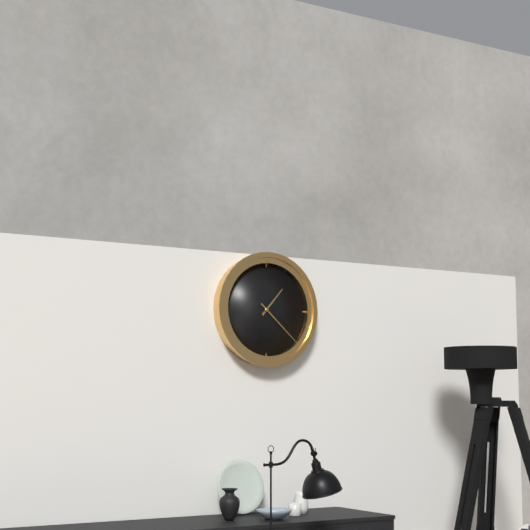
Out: 1:22
